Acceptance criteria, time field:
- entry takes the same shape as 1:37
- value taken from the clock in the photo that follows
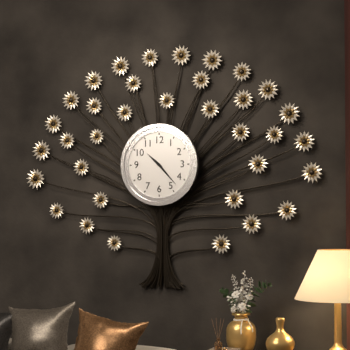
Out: 10:23
